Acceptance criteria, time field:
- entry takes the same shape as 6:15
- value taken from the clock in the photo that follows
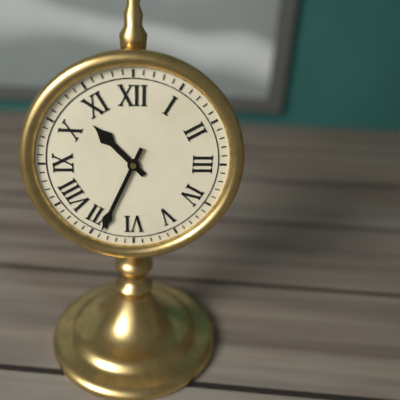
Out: 10:34
